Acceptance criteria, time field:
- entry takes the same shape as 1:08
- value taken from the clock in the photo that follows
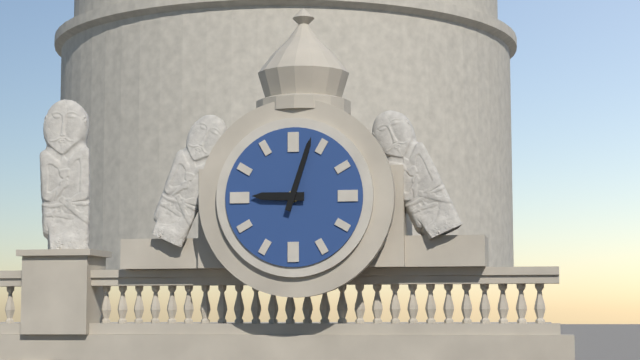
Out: 9:03
